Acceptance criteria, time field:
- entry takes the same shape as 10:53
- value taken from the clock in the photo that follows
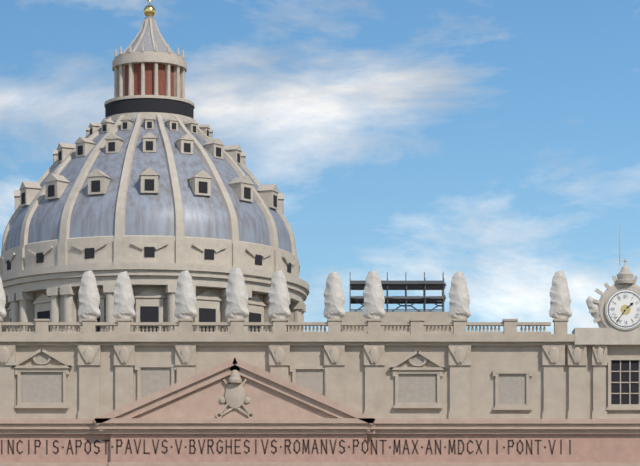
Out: 1:36
